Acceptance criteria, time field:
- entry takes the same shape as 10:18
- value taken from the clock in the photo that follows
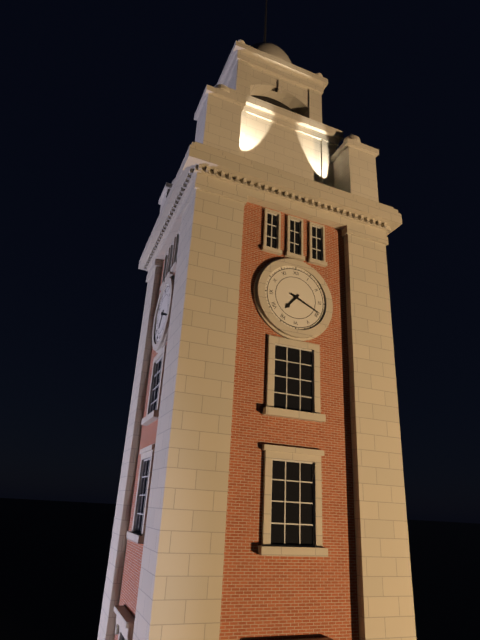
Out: 7:19
